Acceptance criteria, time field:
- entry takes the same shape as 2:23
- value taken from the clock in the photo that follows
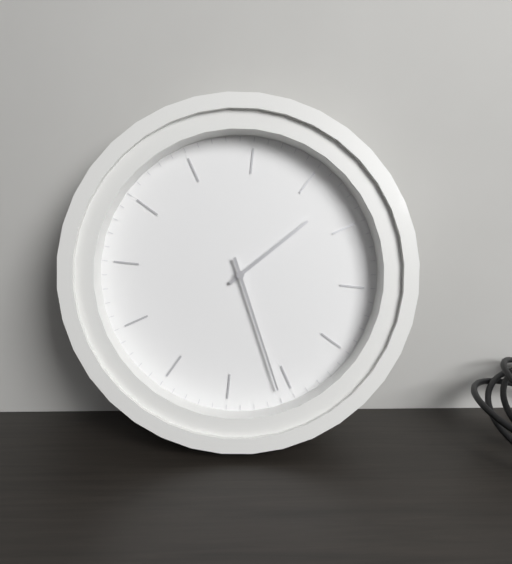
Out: 2:31
